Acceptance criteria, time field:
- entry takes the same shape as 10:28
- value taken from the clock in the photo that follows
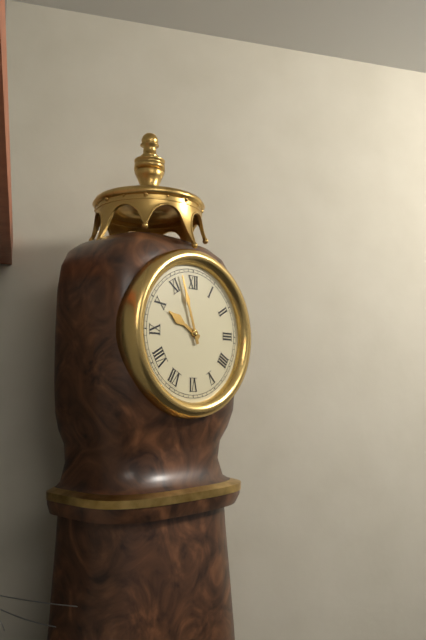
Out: 9:57
